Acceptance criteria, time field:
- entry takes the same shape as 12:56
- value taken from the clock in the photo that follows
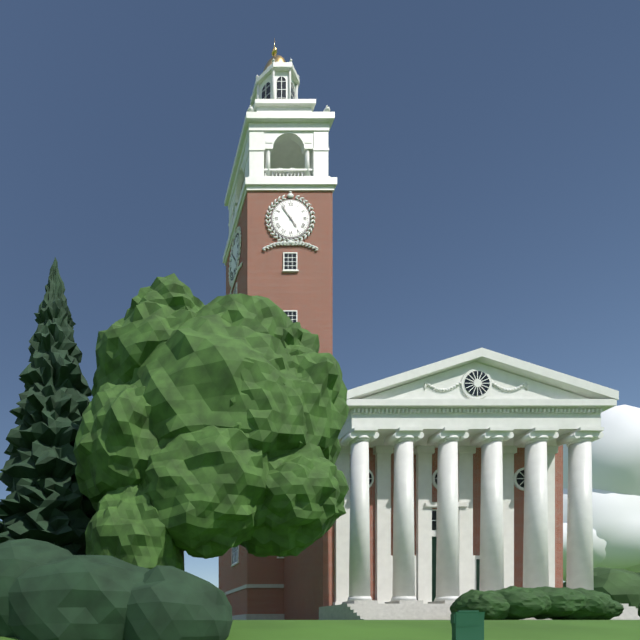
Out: 4:54
